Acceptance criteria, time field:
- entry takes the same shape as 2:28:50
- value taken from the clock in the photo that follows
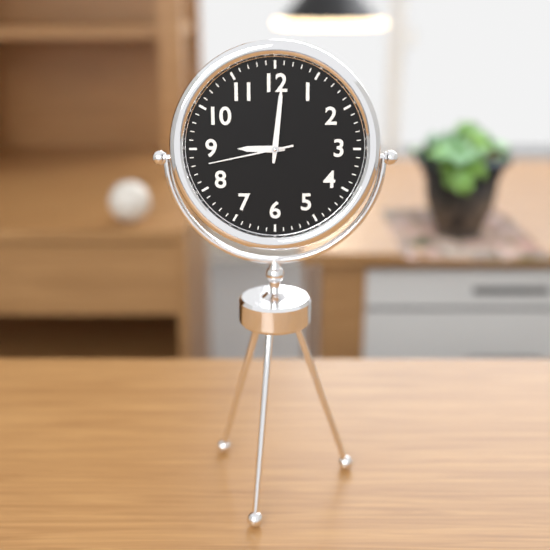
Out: 9:01:43
